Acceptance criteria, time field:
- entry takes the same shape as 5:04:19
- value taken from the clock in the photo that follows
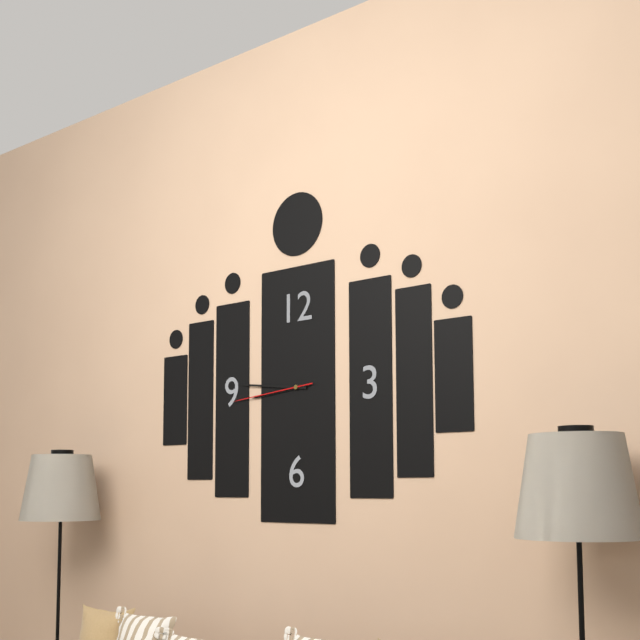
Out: 8:46:44
